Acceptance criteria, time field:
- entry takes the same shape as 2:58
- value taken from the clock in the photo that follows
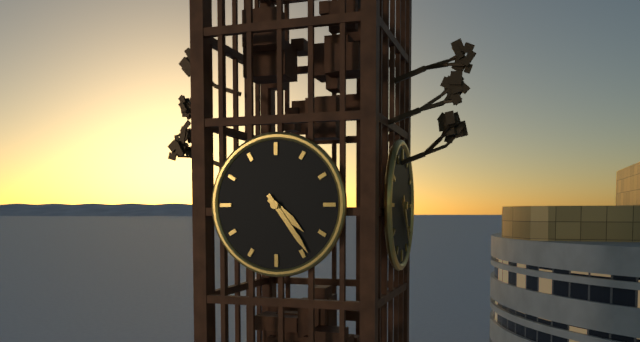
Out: 4:24
